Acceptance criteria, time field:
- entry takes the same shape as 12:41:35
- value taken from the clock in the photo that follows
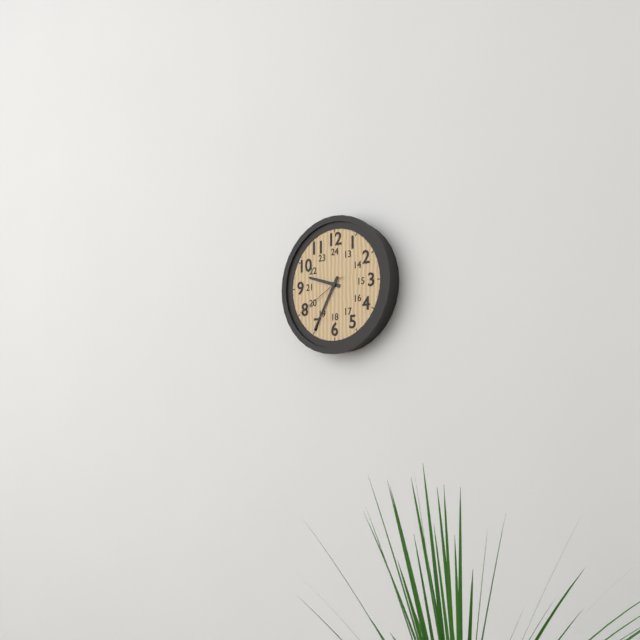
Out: 9:35:40
